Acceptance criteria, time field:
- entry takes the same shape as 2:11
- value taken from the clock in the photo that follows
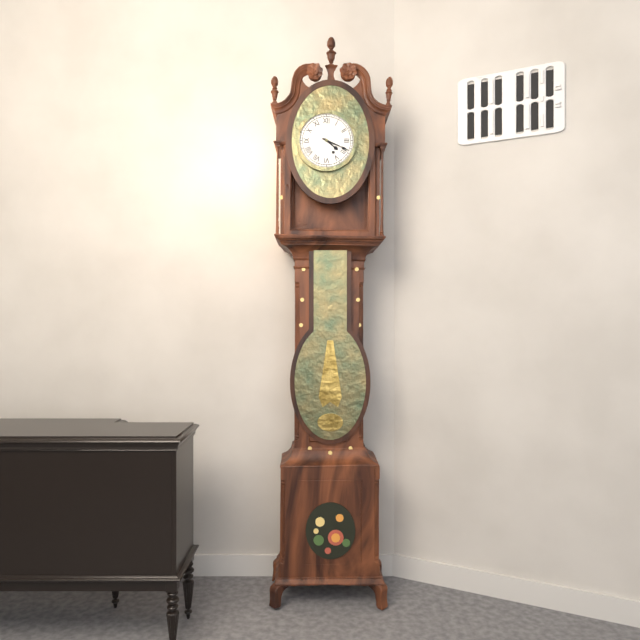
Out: 4:19
